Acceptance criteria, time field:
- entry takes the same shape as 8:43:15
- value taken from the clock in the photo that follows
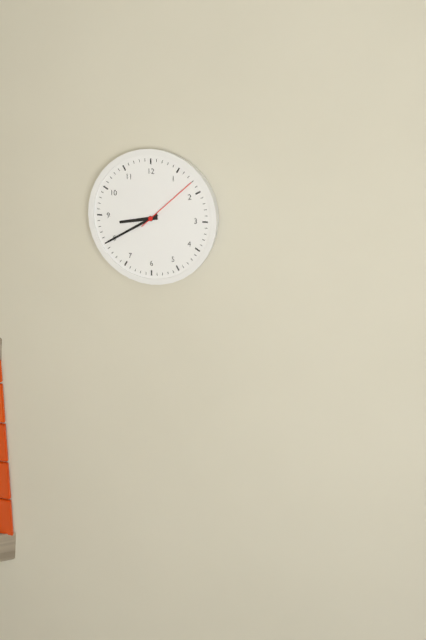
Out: 8:40:08
